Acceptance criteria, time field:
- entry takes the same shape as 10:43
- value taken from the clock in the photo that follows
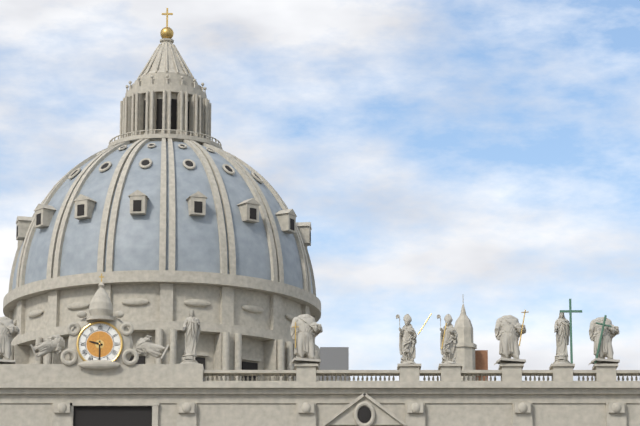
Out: 9:30
